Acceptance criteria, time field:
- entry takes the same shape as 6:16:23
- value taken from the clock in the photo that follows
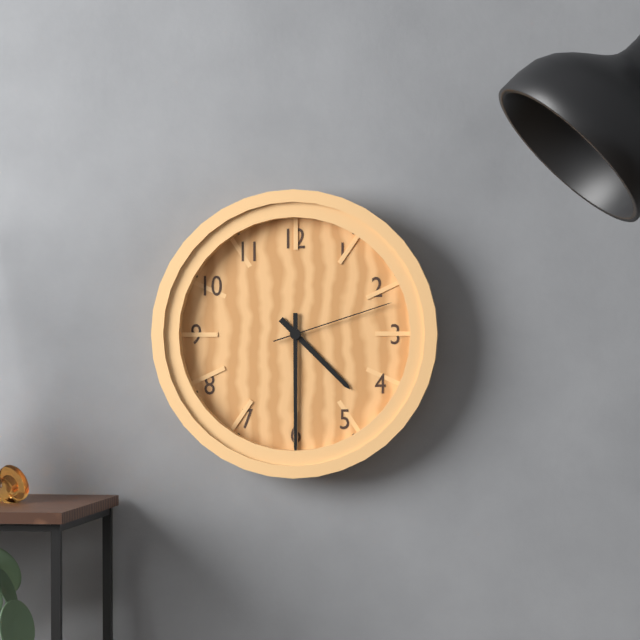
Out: 4:30:12
